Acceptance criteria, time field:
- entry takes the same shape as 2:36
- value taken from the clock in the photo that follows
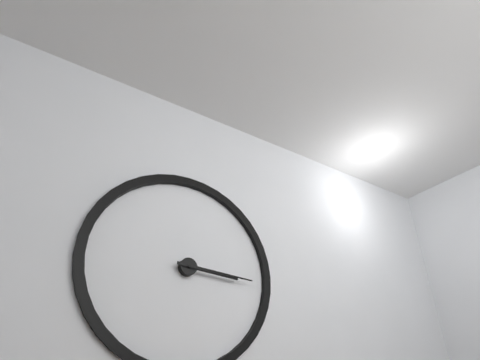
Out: 3:16
